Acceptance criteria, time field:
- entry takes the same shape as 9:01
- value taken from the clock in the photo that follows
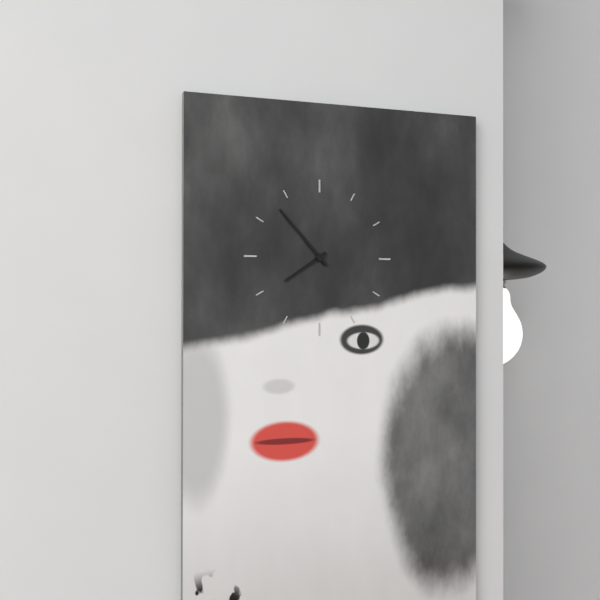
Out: 7:53
